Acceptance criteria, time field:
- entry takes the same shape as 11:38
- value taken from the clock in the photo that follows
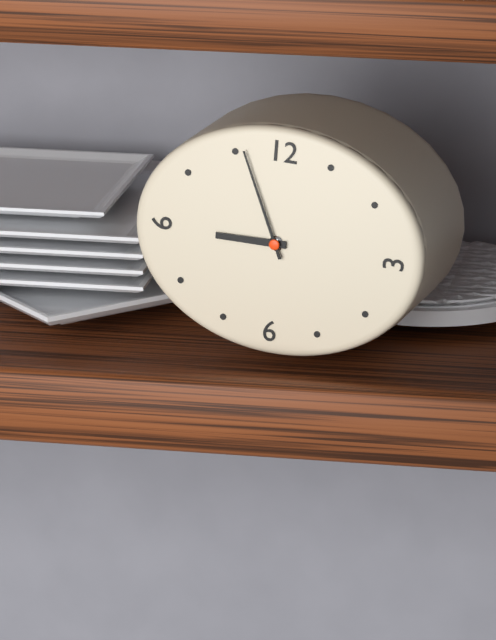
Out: 8:56
